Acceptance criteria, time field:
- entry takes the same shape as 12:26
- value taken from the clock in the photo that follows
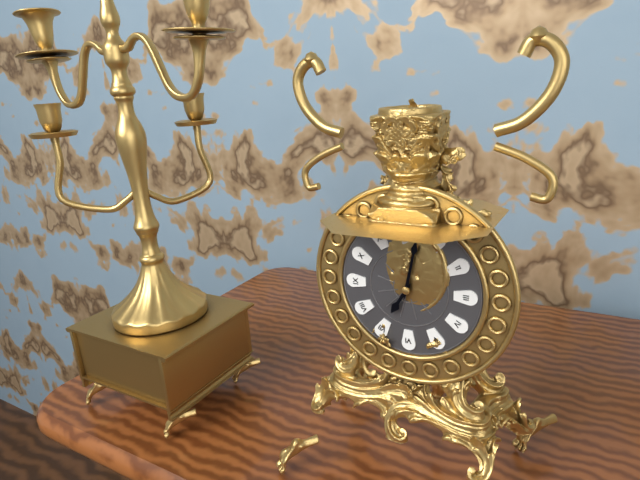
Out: 7:02
